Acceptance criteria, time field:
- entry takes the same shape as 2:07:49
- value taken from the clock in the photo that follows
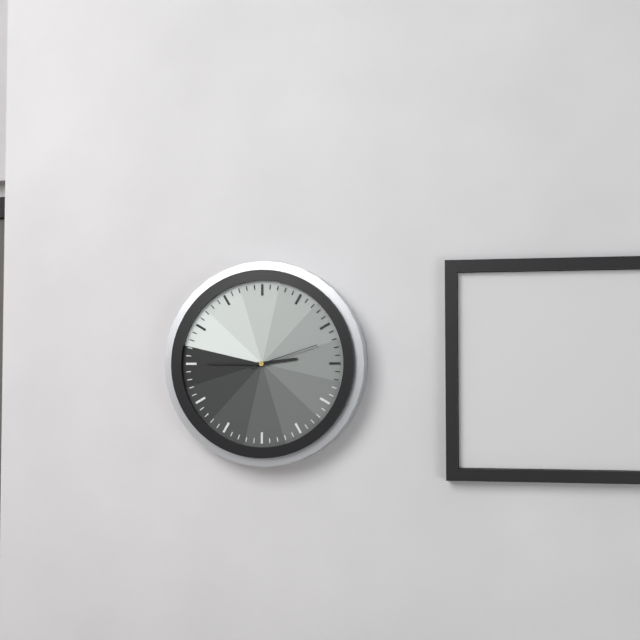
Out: 2:45:12
